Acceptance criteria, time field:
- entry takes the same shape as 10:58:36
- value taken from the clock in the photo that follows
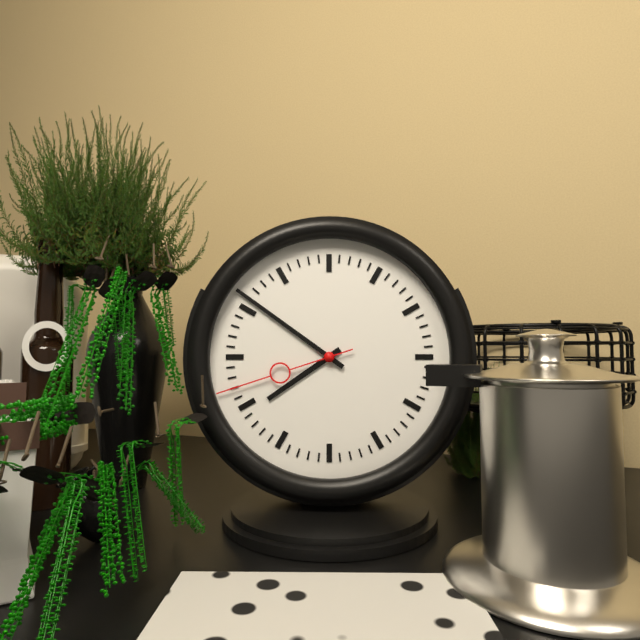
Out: 7:51:42
